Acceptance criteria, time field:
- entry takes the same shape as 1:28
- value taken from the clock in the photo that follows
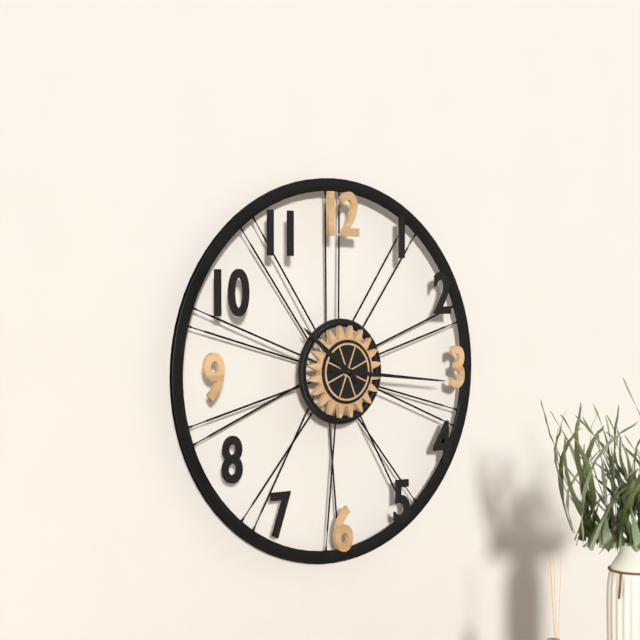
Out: 10:16
